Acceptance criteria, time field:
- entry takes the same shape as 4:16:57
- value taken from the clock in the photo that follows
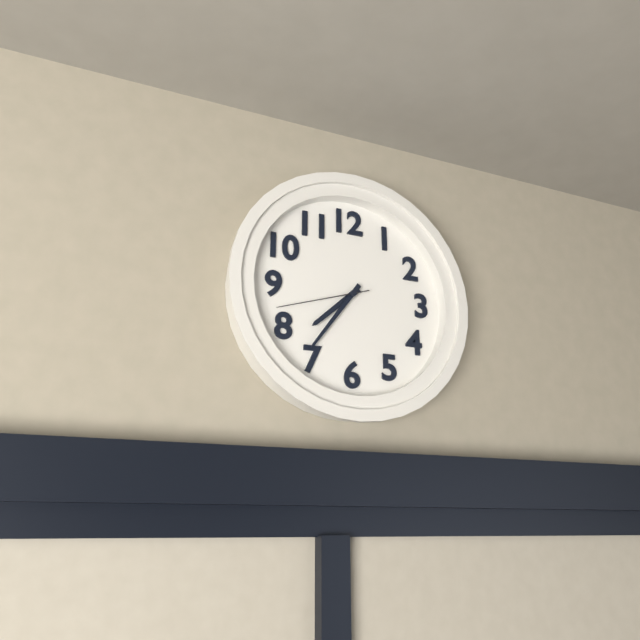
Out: 7:36:42
